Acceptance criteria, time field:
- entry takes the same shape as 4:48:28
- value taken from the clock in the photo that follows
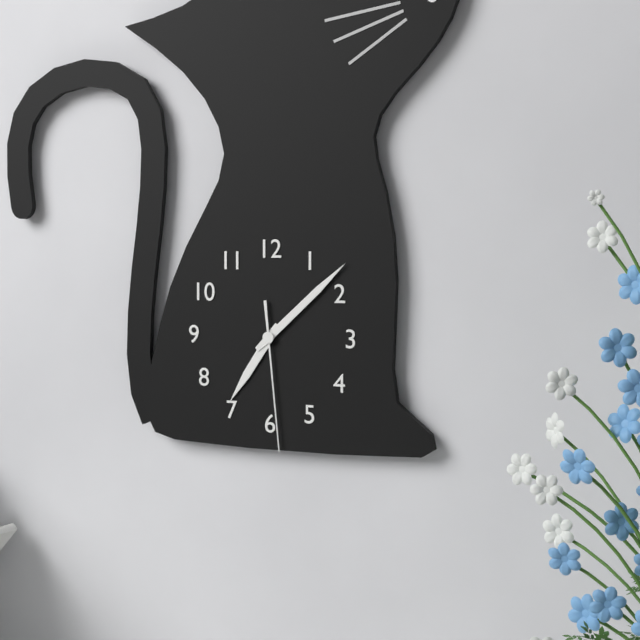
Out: 7:08:29
